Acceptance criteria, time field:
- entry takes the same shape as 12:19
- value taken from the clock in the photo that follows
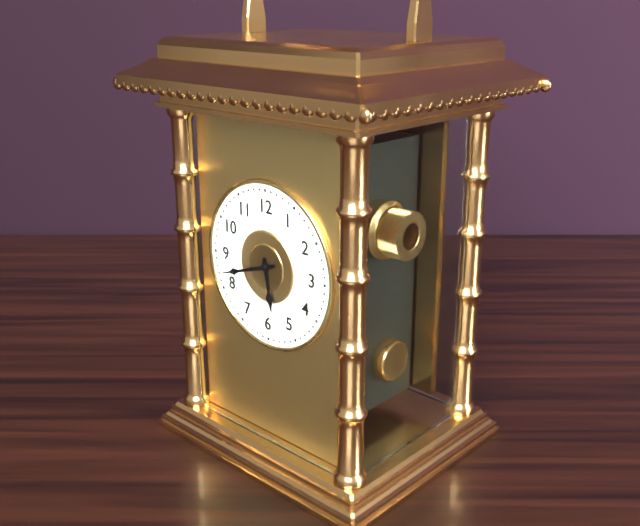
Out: 5:42
